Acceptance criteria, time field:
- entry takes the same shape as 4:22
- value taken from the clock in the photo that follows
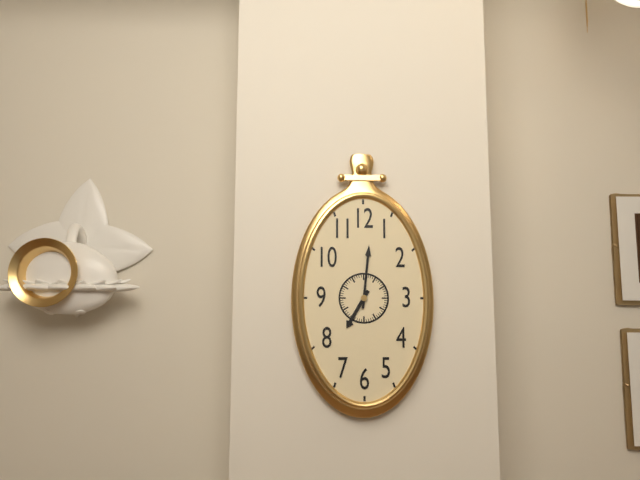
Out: 7:01
